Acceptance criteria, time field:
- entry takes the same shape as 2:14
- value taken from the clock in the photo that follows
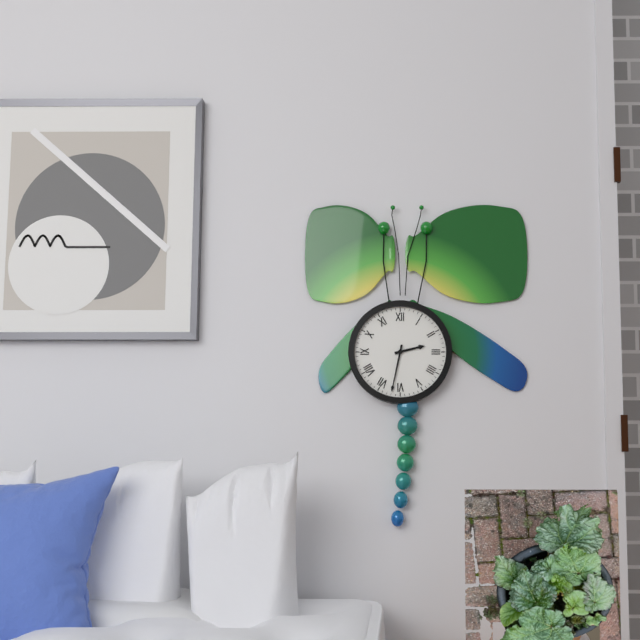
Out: 2:32
